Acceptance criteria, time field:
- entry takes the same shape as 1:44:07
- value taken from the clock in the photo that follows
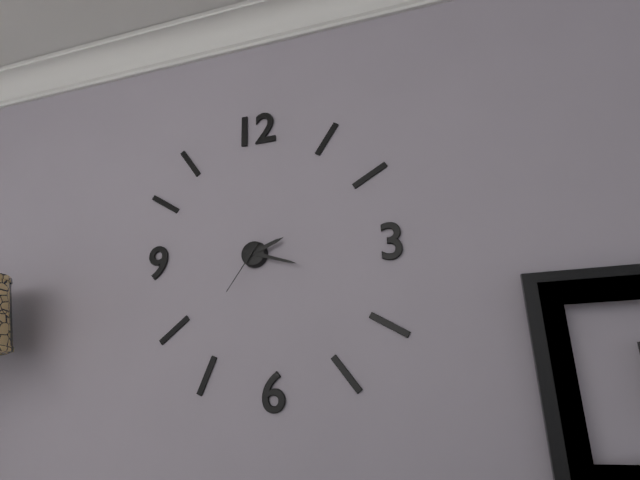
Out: 2:18:36
